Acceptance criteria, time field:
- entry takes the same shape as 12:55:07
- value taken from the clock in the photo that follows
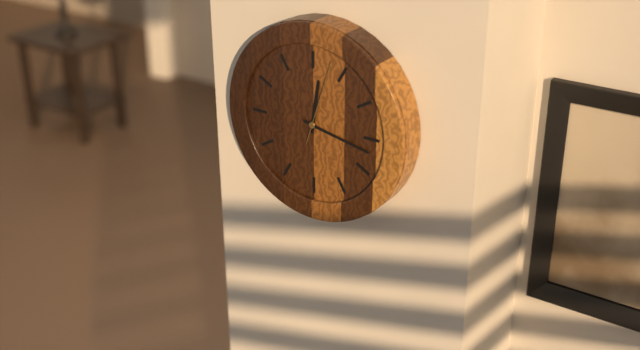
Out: 12:17:03
